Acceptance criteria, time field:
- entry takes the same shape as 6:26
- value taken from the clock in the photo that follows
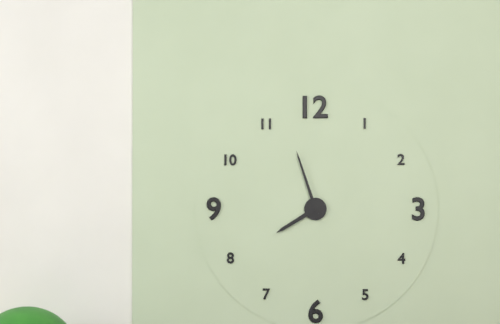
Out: 7:57
